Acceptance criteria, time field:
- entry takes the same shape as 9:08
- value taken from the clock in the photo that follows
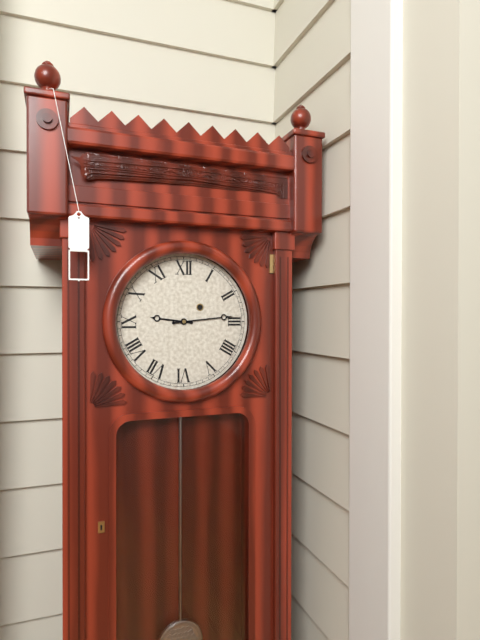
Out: 9:14
